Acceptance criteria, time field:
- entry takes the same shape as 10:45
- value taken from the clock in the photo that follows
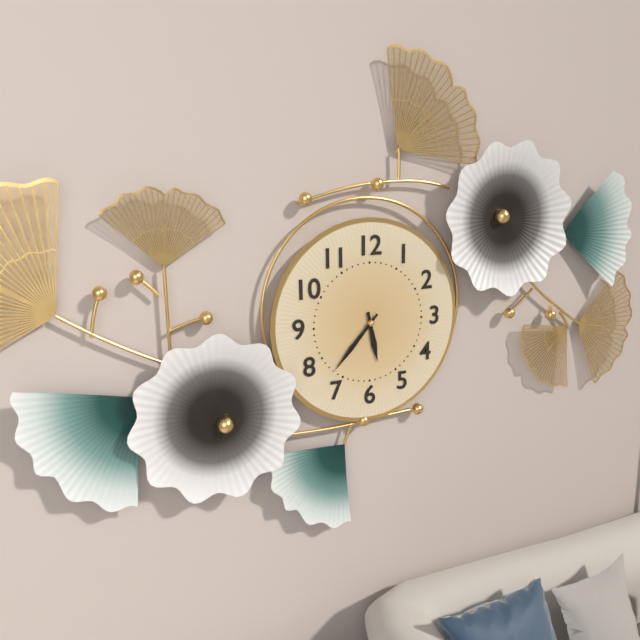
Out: 5:37
